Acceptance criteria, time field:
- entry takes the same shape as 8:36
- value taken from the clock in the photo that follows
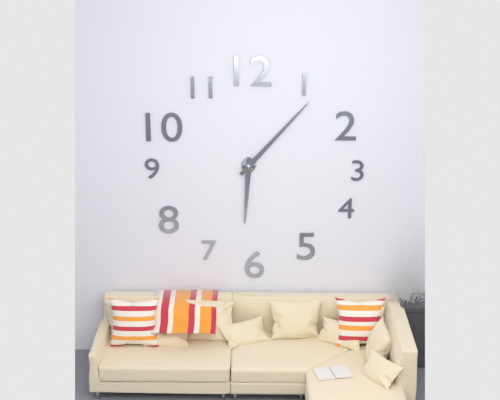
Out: 6:07
